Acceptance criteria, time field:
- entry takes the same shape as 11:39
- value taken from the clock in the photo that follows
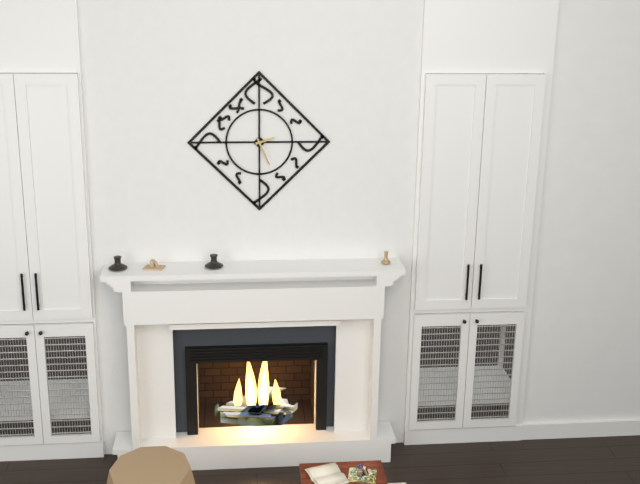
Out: 2:26
